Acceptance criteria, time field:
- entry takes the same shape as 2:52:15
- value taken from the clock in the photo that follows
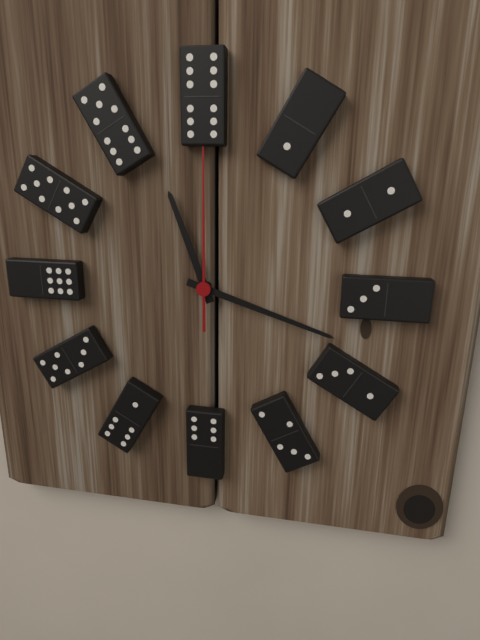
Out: 11:18:00
